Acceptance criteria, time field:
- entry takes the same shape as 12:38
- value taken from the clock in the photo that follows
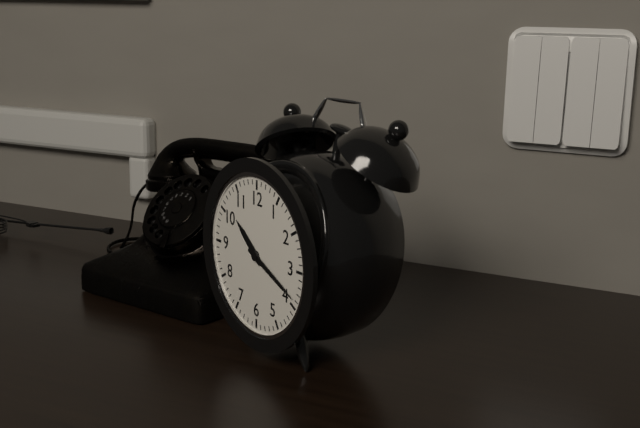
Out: 10:19
